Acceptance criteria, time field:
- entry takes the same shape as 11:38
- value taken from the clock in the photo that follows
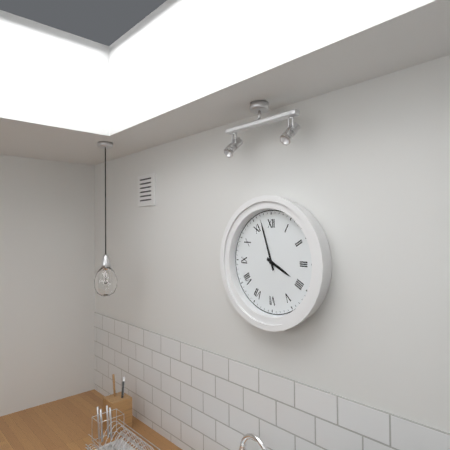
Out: 3:57
